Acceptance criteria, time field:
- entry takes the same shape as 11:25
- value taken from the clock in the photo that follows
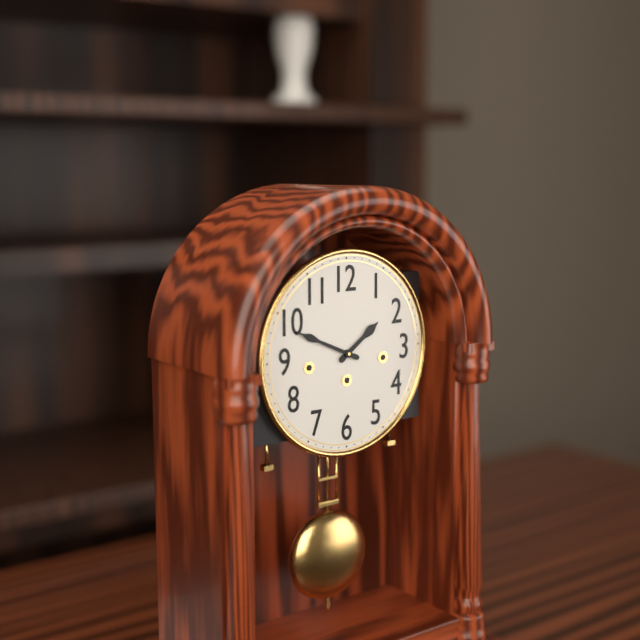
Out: 1:49
